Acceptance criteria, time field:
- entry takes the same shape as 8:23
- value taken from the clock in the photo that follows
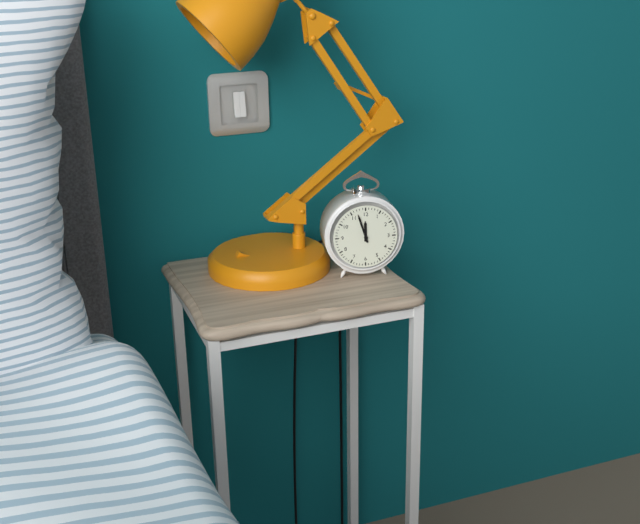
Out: 11:57
